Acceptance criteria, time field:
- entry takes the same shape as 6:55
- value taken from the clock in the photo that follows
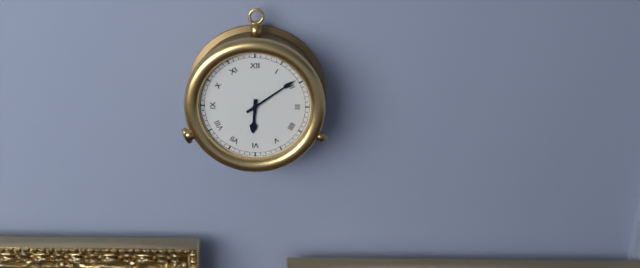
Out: 6:09
